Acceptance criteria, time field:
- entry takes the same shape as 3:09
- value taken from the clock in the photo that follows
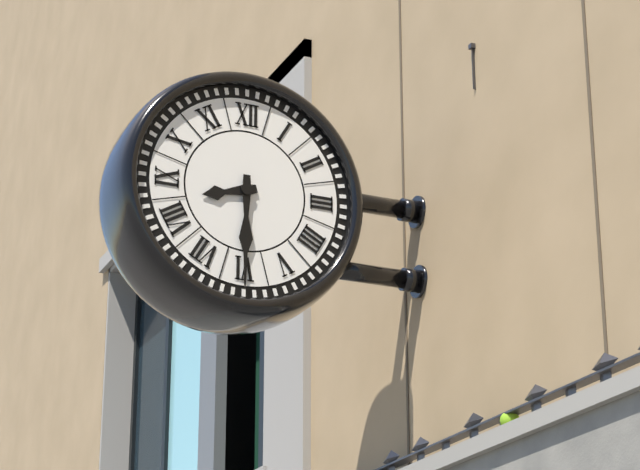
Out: 8:30
